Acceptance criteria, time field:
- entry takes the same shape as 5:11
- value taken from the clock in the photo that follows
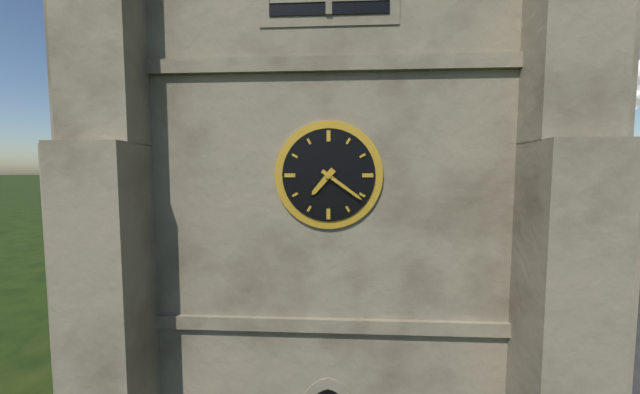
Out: 7:21
